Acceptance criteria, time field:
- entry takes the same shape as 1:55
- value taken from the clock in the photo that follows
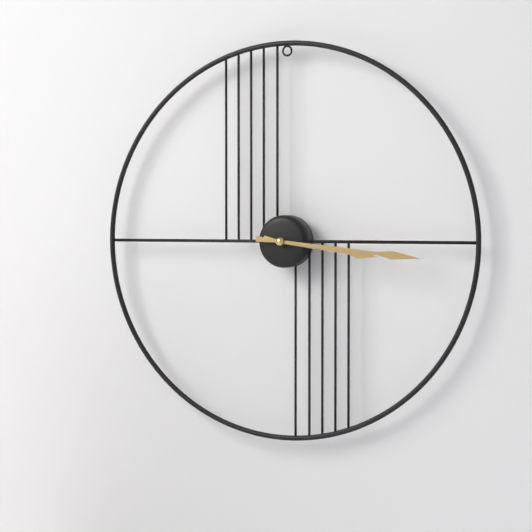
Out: 3:16
